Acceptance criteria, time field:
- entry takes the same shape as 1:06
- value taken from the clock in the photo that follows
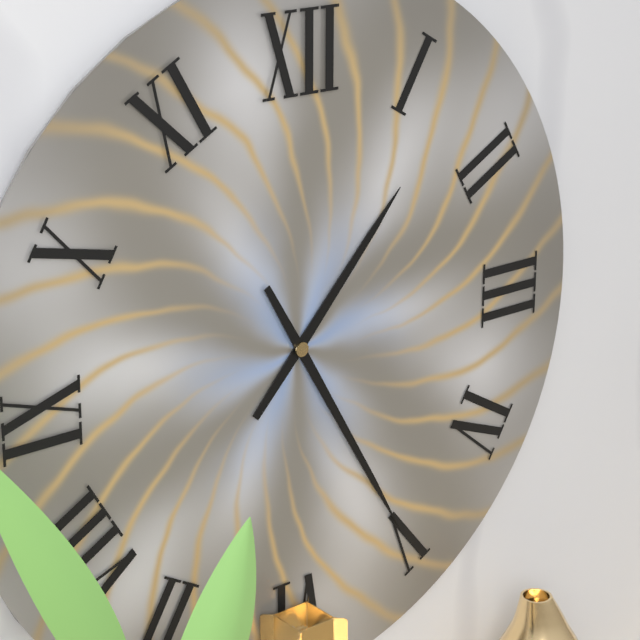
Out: 1:25
